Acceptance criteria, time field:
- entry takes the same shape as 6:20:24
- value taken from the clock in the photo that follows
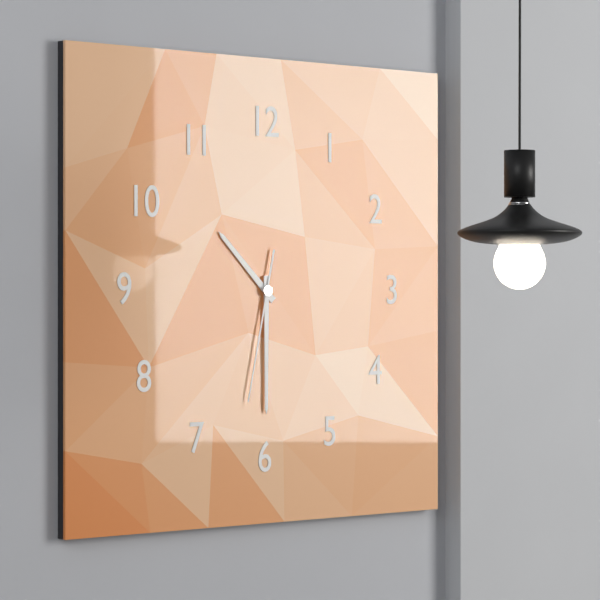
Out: 10:30:32
